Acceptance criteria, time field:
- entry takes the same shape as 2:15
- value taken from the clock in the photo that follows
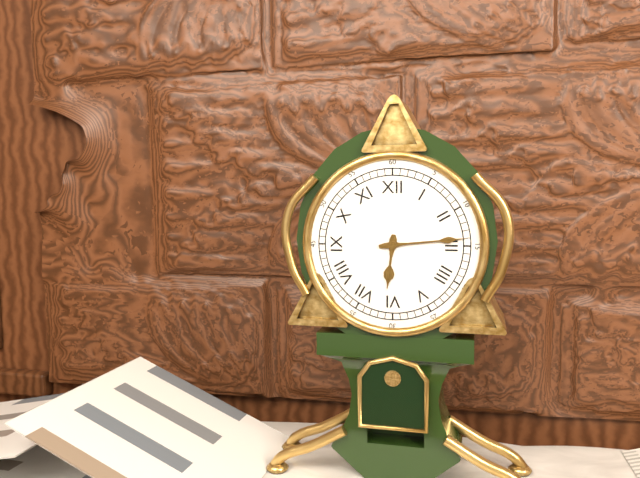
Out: 6:14
